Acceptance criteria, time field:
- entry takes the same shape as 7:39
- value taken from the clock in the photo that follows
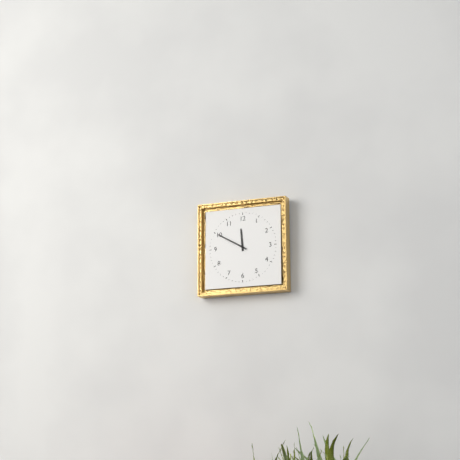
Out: 11:50
